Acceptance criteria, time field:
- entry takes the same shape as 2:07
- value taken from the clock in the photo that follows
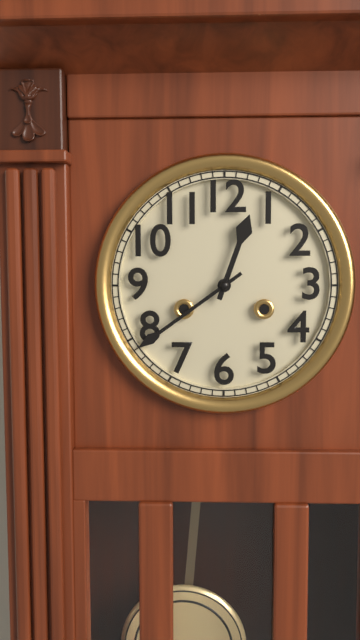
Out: 12:39
